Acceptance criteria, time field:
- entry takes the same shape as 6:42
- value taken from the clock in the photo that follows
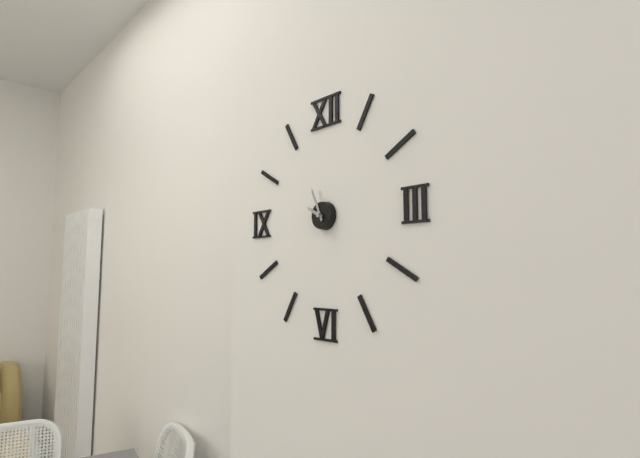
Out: 9:56
